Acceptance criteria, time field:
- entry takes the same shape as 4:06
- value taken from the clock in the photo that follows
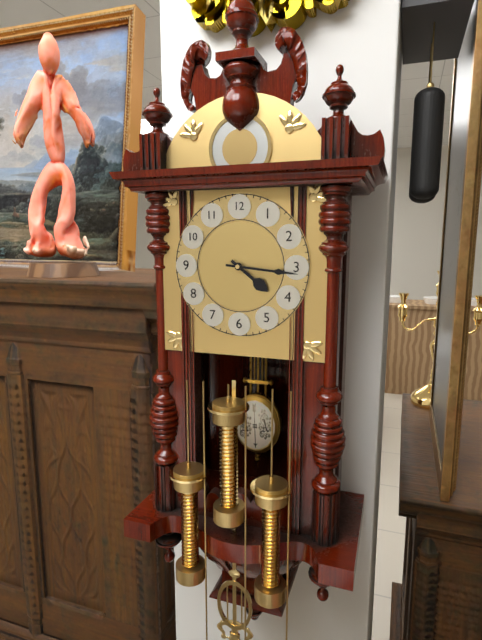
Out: 4:16
